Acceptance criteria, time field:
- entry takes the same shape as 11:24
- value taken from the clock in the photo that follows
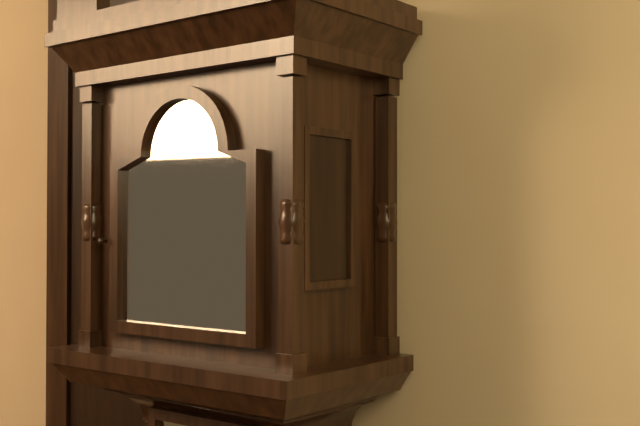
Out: 5:22
